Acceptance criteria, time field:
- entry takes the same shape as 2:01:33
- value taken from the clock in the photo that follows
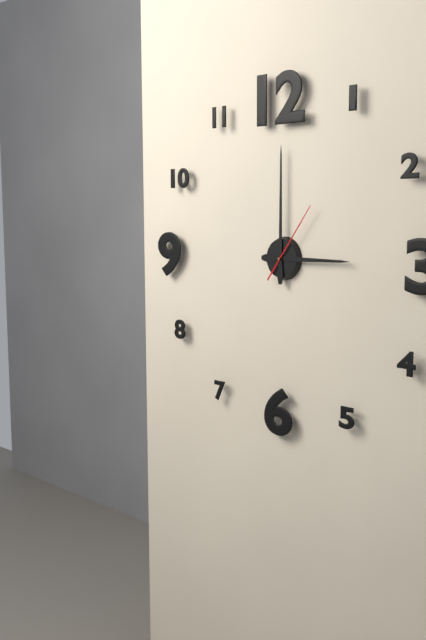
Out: 3:00:06
